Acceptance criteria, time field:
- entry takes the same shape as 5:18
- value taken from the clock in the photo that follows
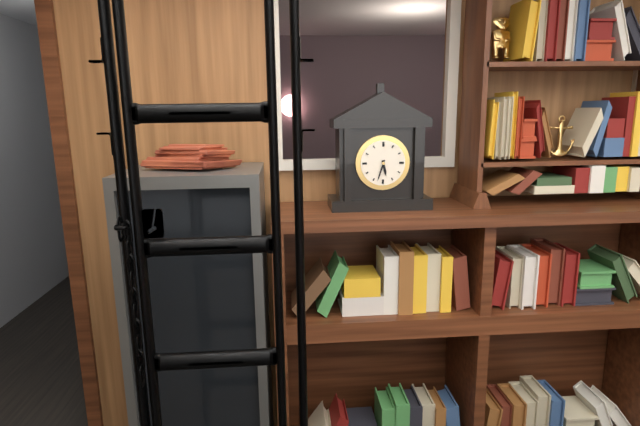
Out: 5:33
